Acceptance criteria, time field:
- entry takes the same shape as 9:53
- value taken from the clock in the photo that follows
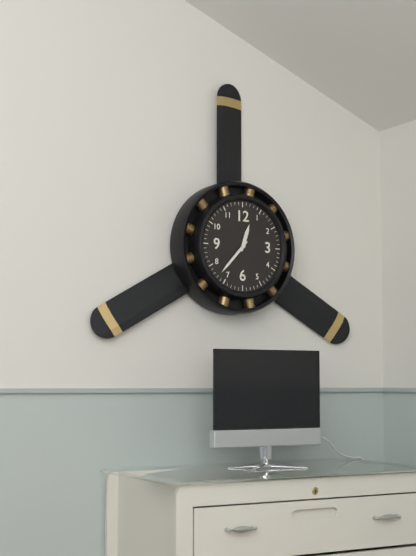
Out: 12:37
